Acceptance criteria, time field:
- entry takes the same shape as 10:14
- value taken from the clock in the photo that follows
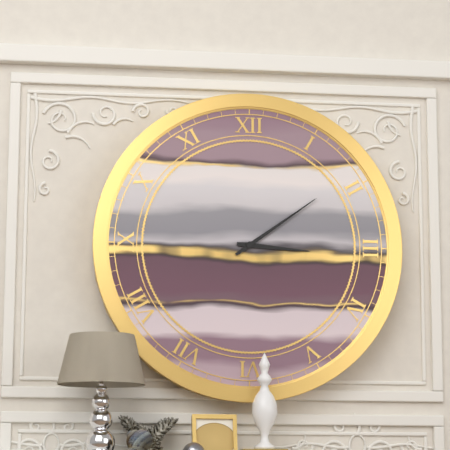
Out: 3:09
